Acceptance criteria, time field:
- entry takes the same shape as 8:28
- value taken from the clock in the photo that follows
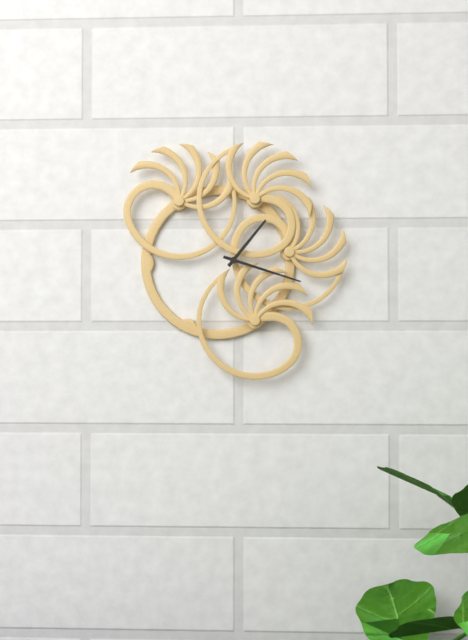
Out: 1:18
